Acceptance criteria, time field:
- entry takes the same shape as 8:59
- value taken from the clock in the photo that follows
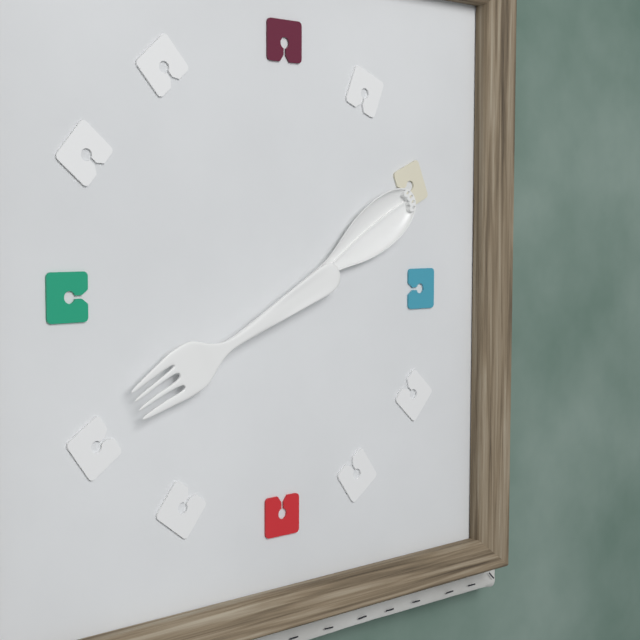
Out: 8:10
